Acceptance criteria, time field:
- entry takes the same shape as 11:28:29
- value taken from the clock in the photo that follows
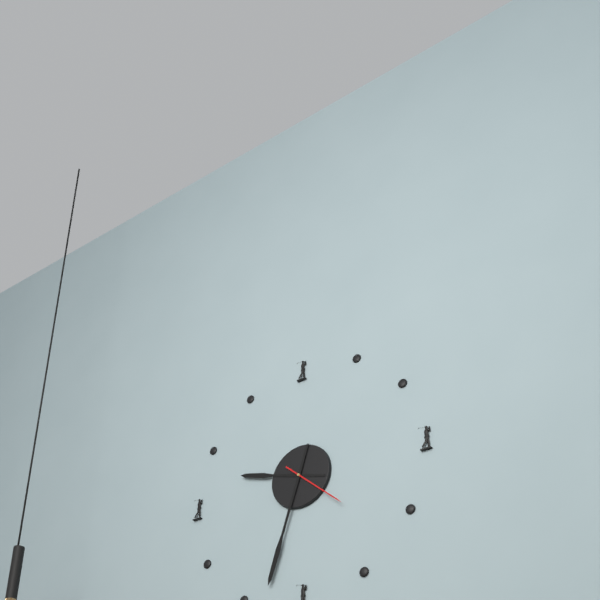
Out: 9:33:22
